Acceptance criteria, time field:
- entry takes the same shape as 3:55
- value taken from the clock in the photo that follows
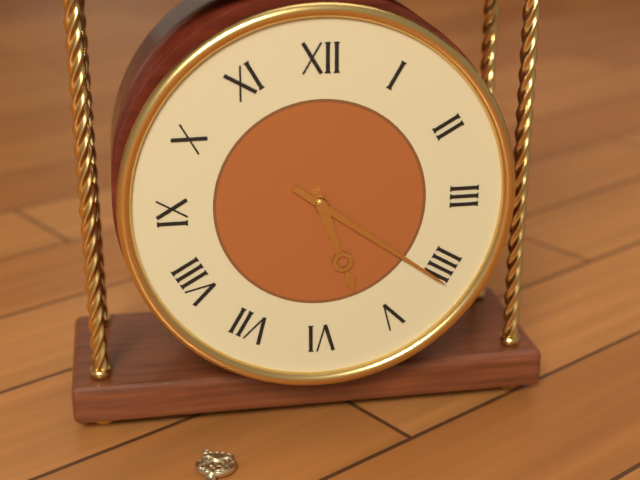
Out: 5:21
